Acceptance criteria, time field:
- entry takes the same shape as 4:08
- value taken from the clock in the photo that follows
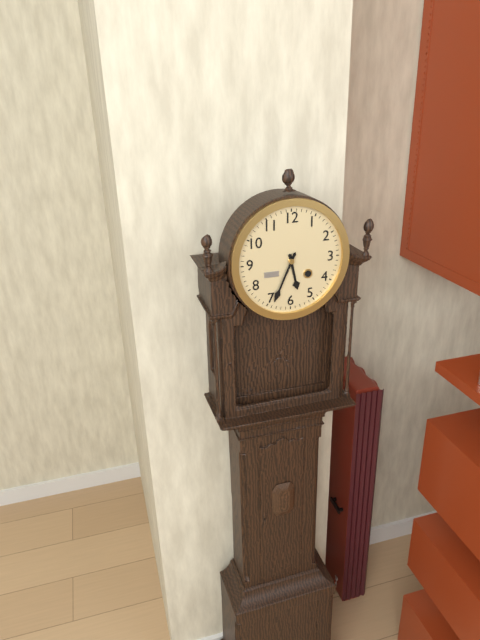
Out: 5:34
